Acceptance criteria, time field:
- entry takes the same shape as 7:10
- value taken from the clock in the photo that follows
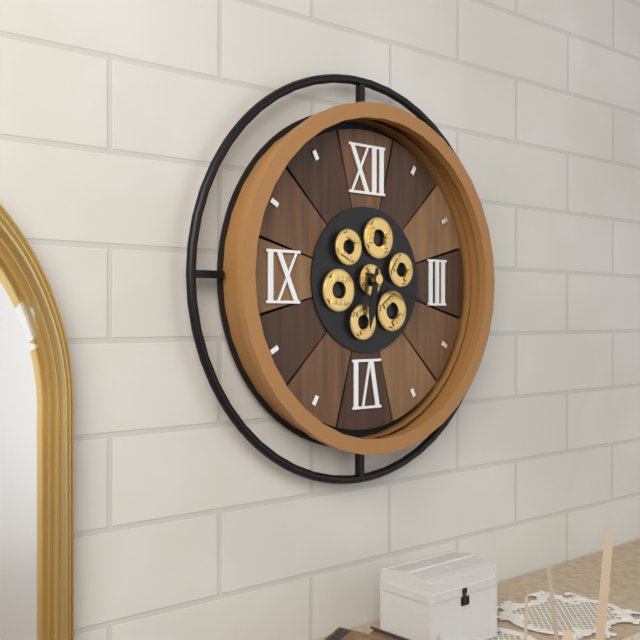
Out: 6:18
